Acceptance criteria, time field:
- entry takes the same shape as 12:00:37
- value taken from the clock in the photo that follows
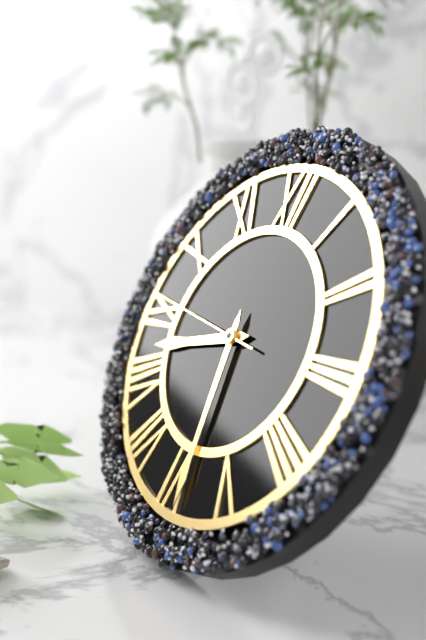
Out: 8:29:46
